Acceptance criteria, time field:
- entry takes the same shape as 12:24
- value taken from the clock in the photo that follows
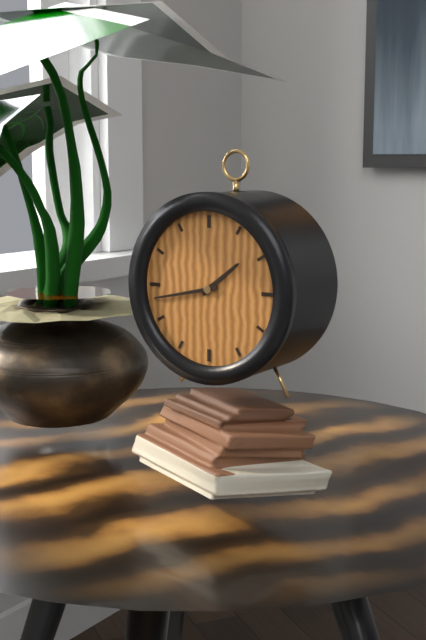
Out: 1:43
